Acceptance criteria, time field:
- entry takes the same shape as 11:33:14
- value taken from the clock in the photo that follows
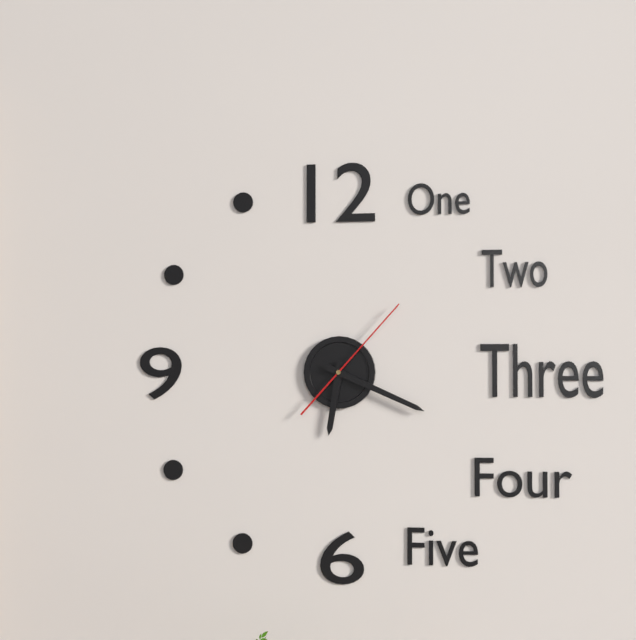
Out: 6:19:07
